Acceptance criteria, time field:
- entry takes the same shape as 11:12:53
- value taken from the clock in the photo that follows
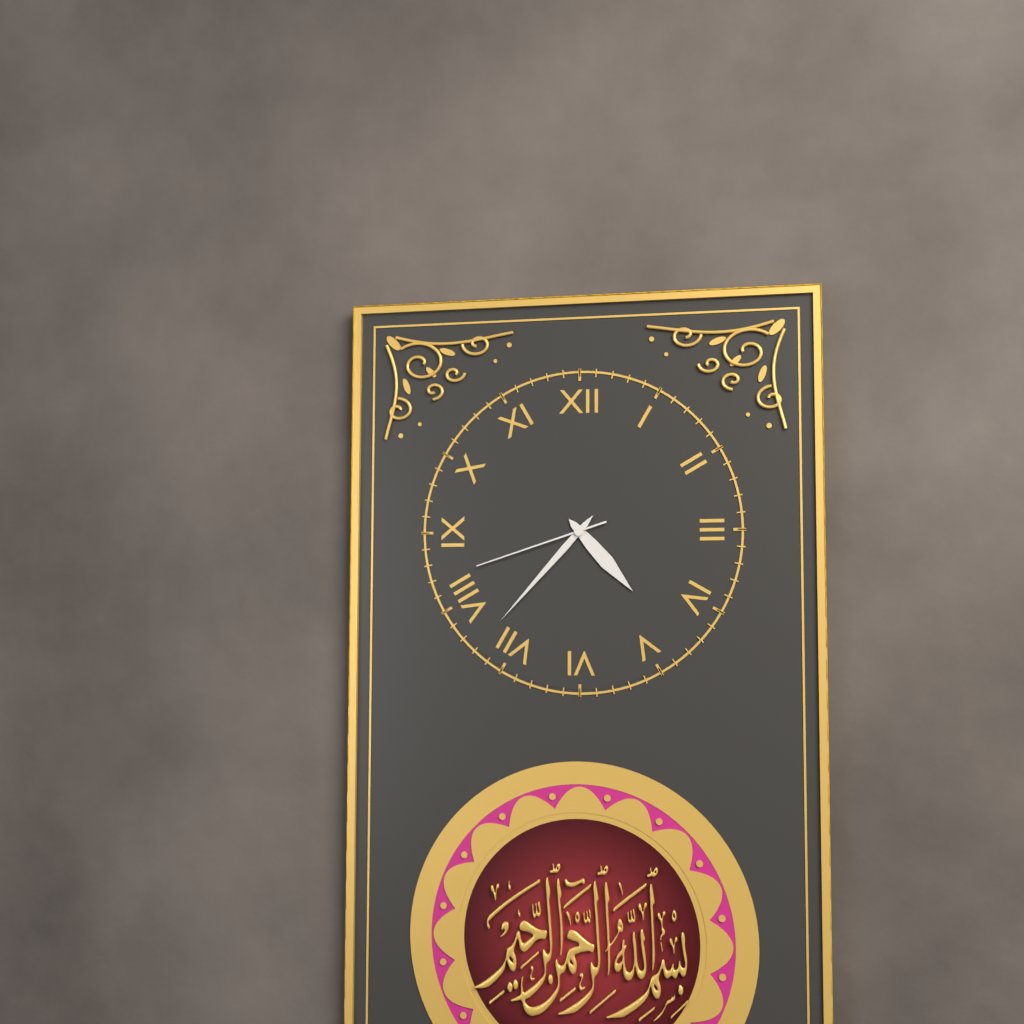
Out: 4:37:42
